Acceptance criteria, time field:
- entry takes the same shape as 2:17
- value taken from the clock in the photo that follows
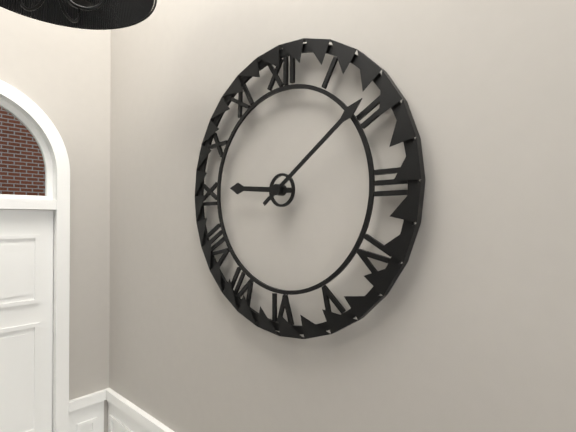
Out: 9:09
